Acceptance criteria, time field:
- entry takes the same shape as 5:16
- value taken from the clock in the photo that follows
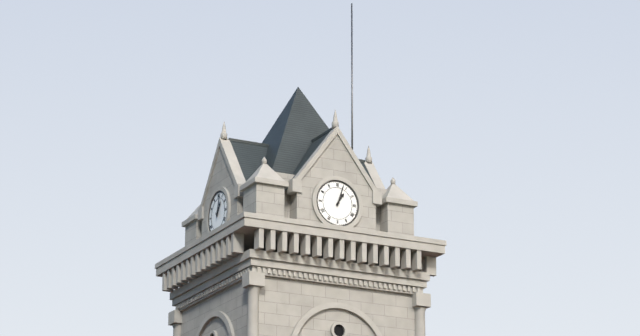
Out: 1:03
